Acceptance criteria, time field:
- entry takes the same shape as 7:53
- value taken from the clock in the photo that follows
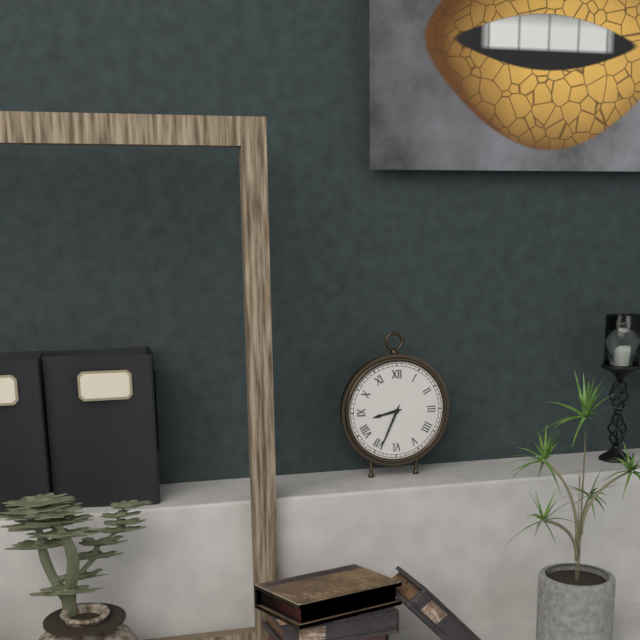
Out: 8:34
